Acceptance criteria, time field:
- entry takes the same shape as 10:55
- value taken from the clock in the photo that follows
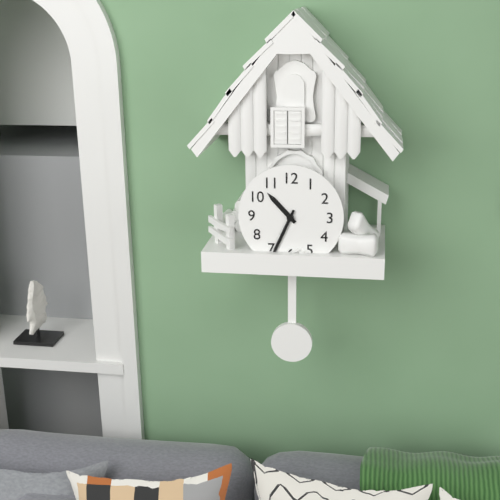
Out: 10:34
